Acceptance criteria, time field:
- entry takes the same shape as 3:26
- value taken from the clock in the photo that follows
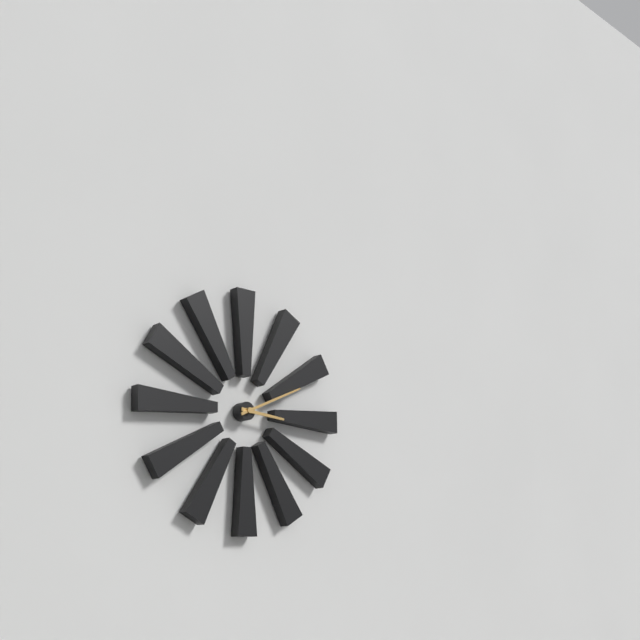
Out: 3:11
